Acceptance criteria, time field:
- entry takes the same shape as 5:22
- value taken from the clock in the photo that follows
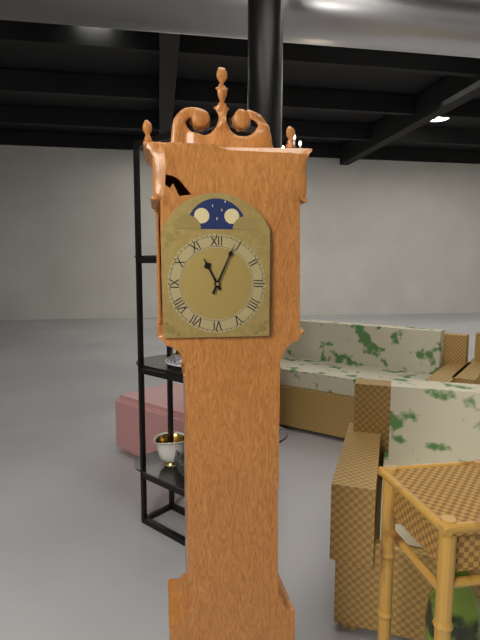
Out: 11:04
